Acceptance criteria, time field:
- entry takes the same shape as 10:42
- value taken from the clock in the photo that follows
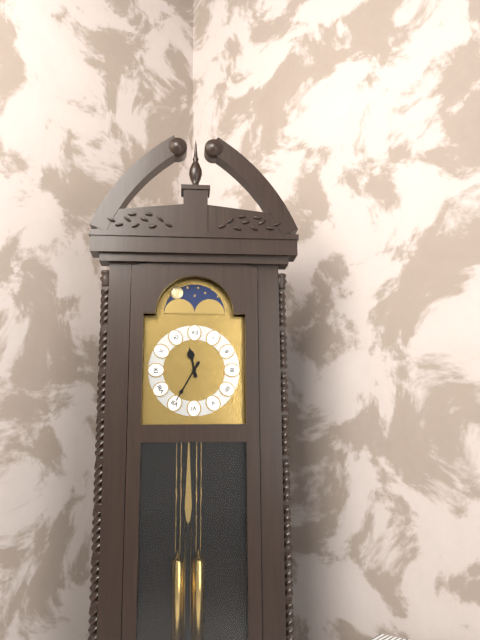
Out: 11:35
